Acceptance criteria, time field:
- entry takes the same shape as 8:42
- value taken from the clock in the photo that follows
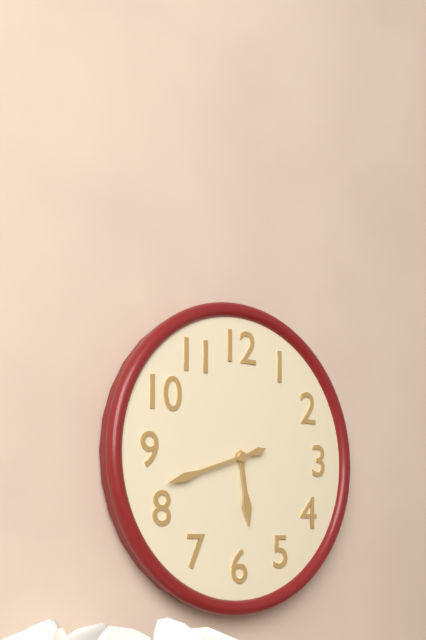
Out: 5:42
